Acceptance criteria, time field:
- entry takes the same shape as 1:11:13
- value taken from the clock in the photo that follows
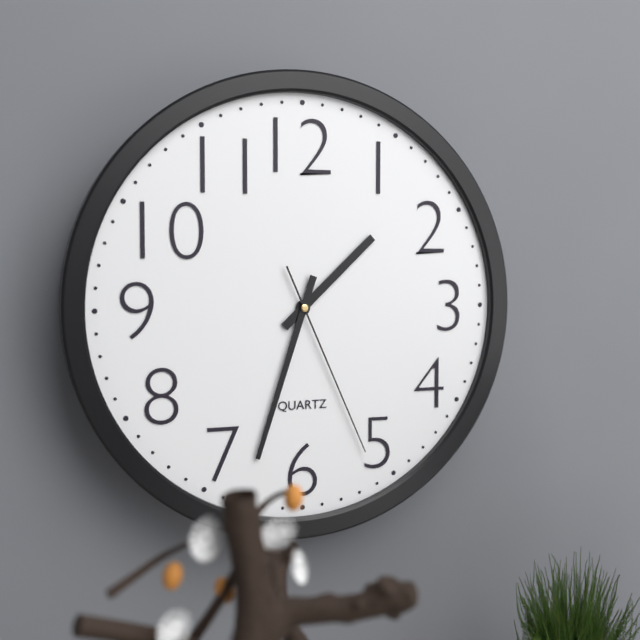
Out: 1:33:26
